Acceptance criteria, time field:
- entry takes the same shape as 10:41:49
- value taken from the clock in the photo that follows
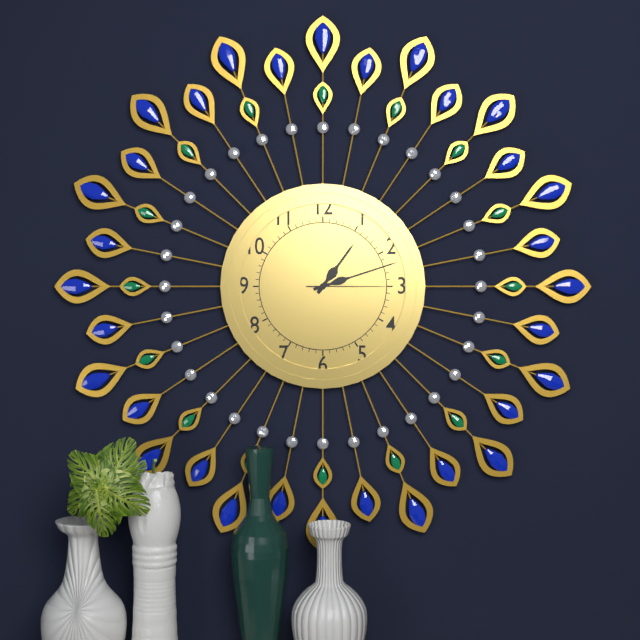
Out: 1:12:15
